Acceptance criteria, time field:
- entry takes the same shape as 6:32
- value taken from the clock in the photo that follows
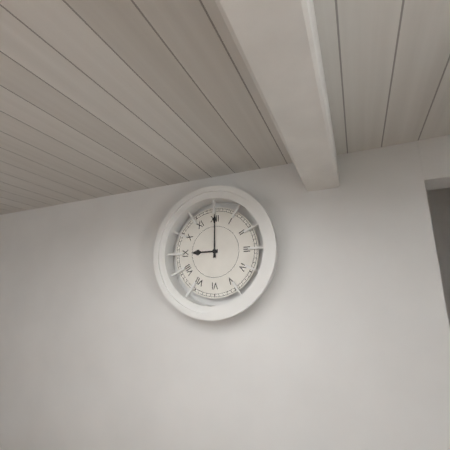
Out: 9:00
